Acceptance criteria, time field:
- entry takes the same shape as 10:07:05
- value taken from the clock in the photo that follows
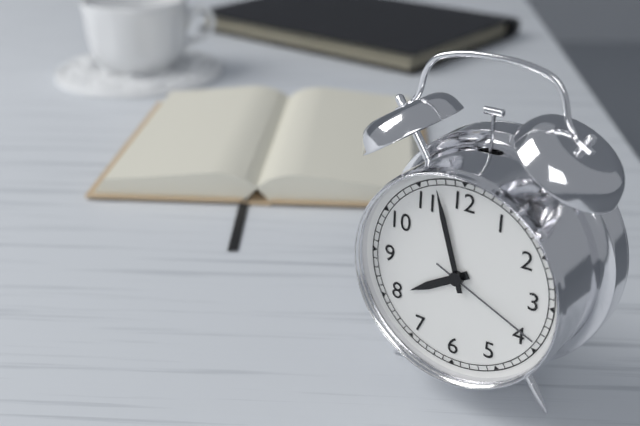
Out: 7:57:19
